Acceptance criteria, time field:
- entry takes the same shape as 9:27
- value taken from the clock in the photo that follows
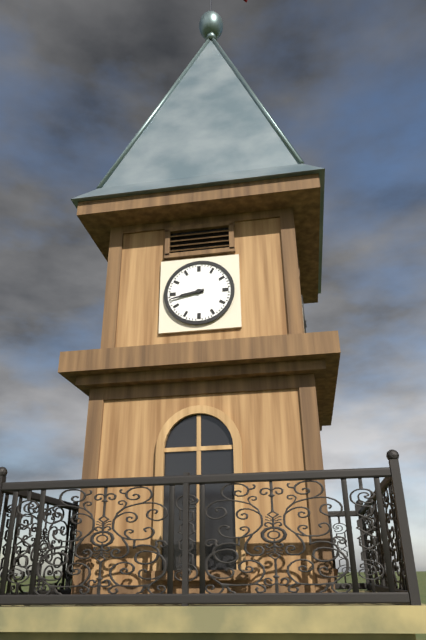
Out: 8:43
